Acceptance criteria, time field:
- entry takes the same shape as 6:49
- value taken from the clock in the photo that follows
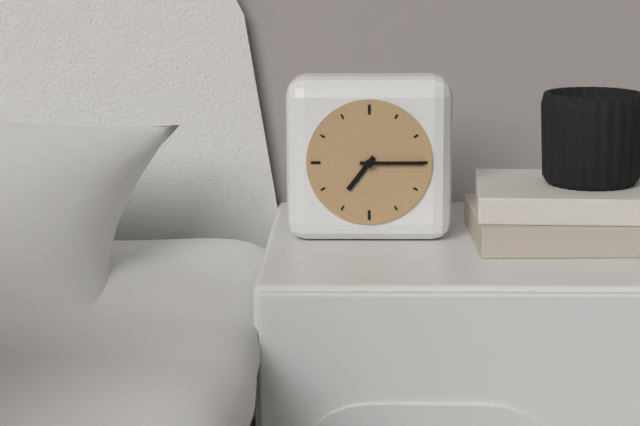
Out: 7:15
